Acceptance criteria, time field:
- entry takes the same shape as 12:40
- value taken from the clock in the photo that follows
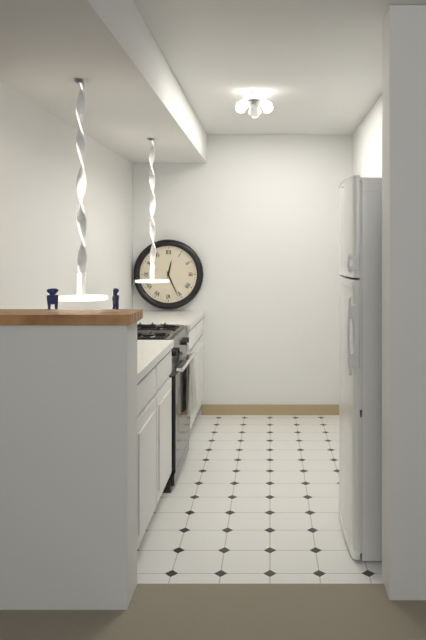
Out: 12:26
